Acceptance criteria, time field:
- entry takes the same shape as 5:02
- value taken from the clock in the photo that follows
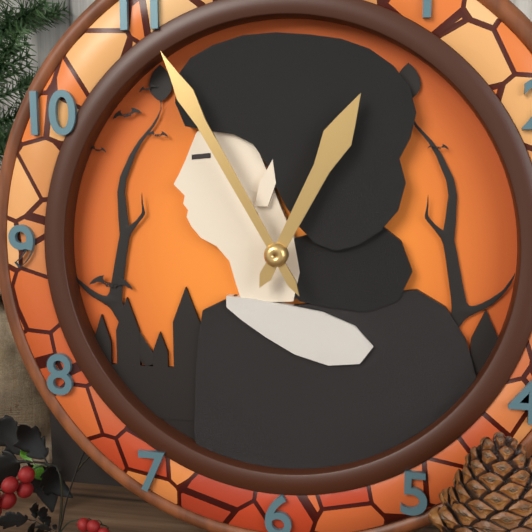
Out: 12:55
